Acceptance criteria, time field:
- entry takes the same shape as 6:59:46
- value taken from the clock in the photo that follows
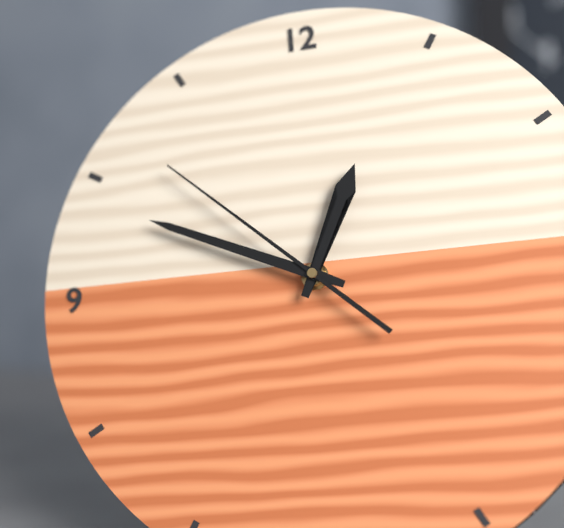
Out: 12:49:52
